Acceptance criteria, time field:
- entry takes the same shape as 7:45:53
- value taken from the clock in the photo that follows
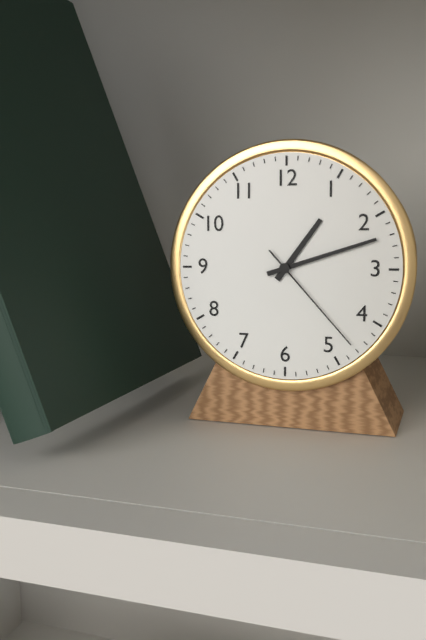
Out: 1:12:23
